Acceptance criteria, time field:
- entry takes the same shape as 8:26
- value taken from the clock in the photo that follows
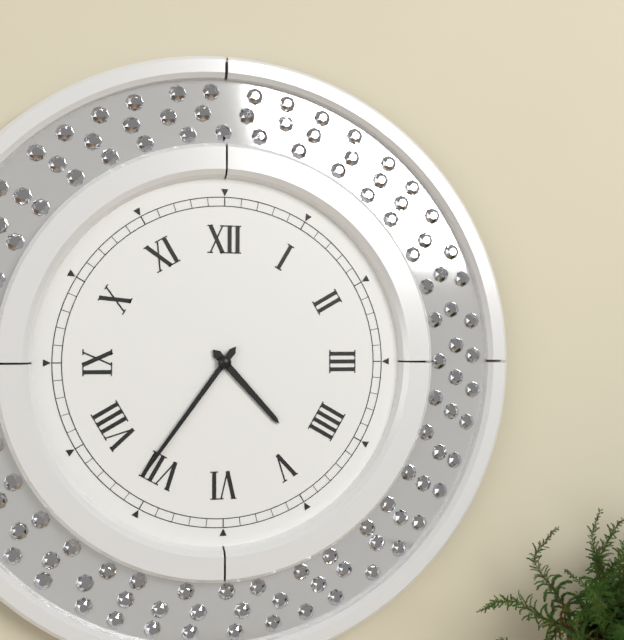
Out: 4:36
